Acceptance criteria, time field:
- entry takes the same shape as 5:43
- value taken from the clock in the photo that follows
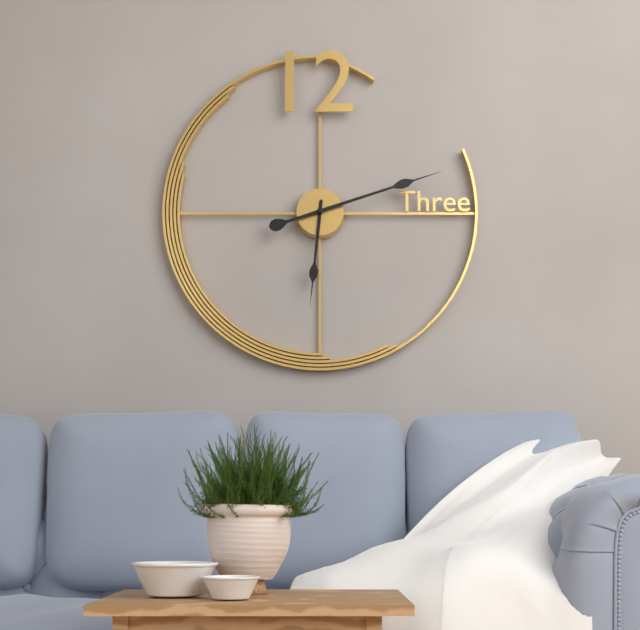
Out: 6:12
